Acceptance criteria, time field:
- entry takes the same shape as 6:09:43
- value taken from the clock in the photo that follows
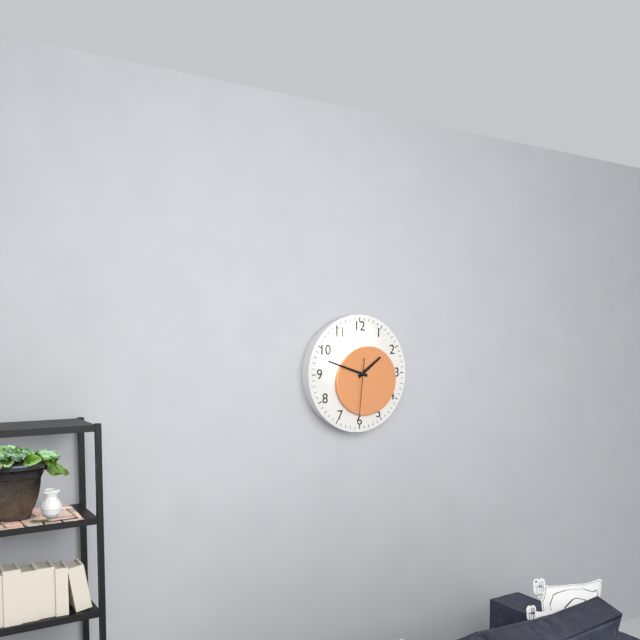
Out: 1:48:31
